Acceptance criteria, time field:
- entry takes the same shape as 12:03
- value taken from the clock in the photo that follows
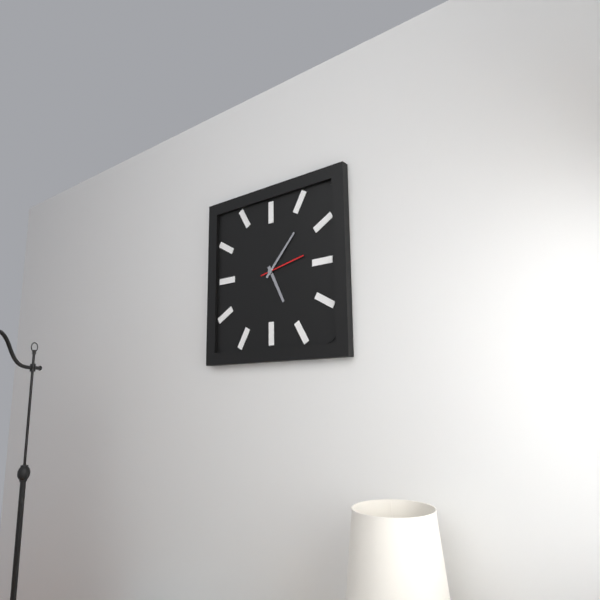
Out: 5:07
